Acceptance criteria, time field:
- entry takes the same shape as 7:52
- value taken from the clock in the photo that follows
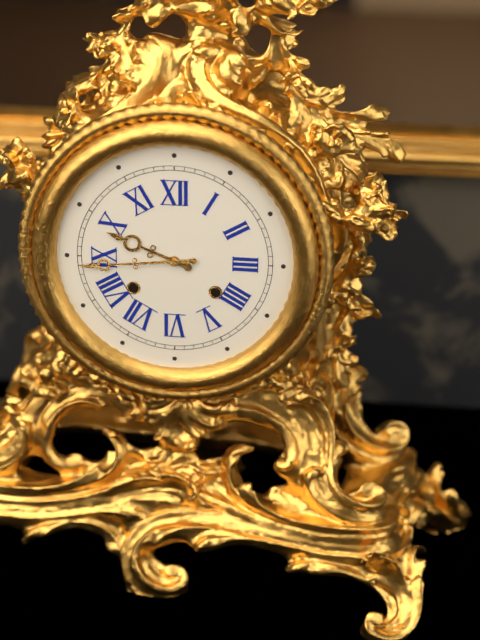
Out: 9:44
